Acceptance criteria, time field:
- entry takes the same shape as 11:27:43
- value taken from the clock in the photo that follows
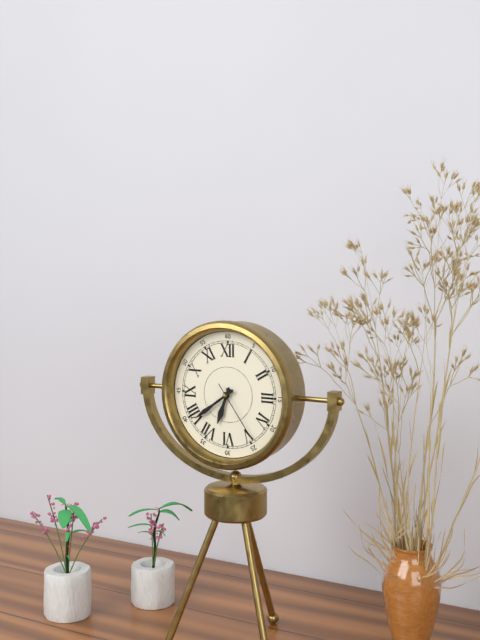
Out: 6:39:24
